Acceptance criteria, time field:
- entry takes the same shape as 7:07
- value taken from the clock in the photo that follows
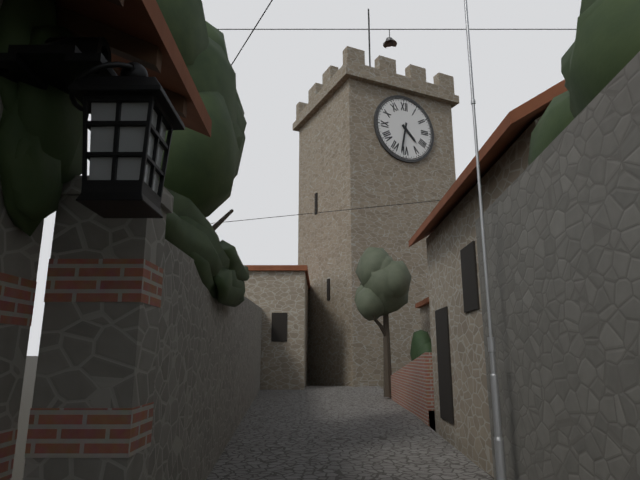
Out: 4:32
